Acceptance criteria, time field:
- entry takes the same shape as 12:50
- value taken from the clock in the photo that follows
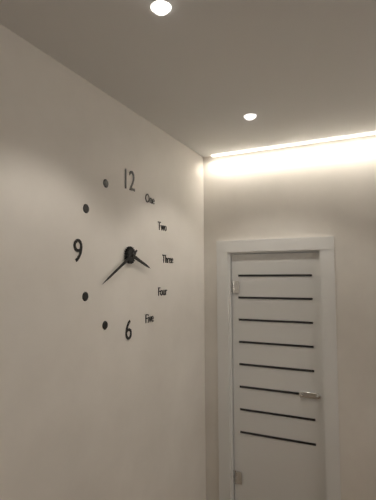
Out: 3:40
